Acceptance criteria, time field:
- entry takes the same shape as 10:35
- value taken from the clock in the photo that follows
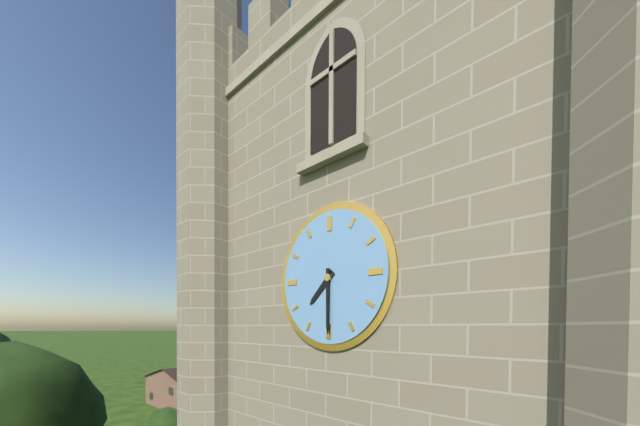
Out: 7:30
